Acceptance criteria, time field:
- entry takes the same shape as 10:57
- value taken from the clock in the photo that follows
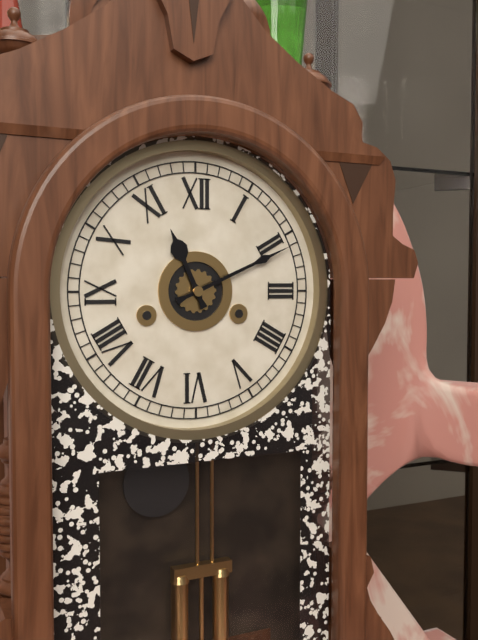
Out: 11:11
